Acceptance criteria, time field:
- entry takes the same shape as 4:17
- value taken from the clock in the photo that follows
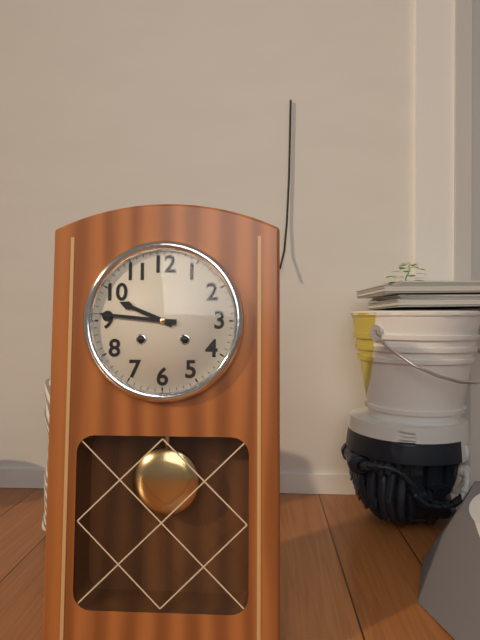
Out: 9:46
